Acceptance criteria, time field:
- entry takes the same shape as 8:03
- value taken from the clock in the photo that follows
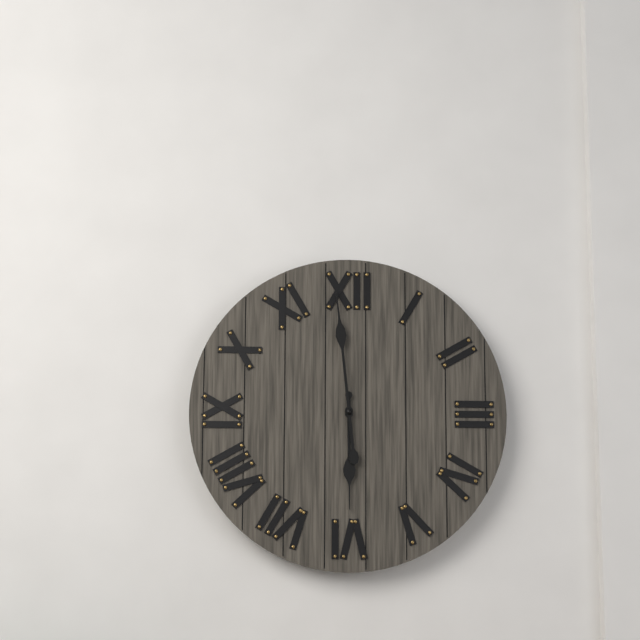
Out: 5:59
